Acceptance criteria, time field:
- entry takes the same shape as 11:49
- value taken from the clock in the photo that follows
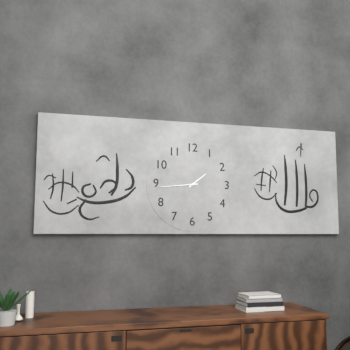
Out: 1:44
